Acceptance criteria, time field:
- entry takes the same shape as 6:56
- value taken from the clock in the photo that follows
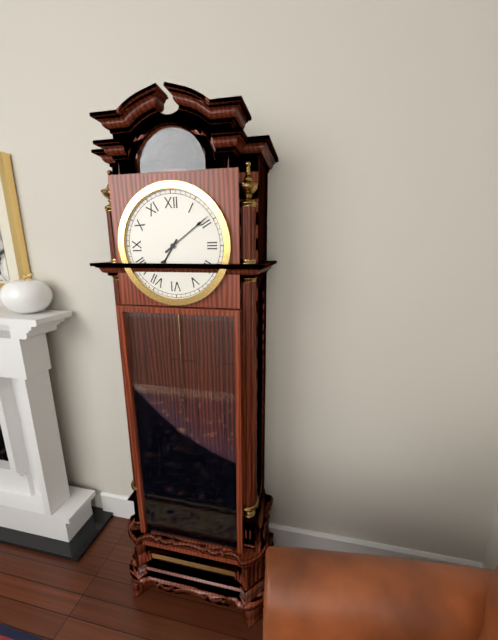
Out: 7:09
